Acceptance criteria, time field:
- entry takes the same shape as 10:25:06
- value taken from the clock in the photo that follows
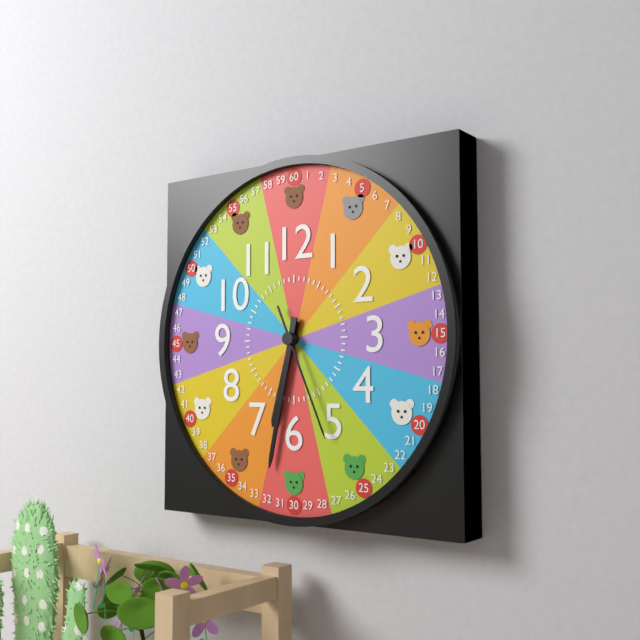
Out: 6:32:26
